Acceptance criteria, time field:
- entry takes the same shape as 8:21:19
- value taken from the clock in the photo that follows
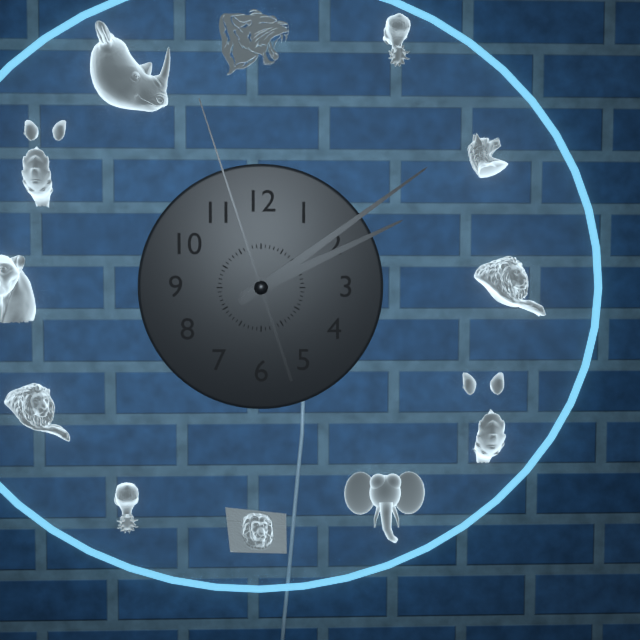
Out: 2:09:57
